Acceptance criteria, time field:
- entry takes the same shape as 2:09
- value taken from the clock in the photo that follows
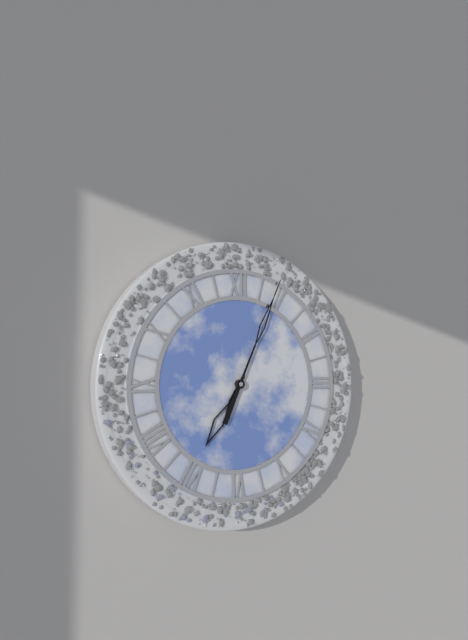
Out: 7:04
